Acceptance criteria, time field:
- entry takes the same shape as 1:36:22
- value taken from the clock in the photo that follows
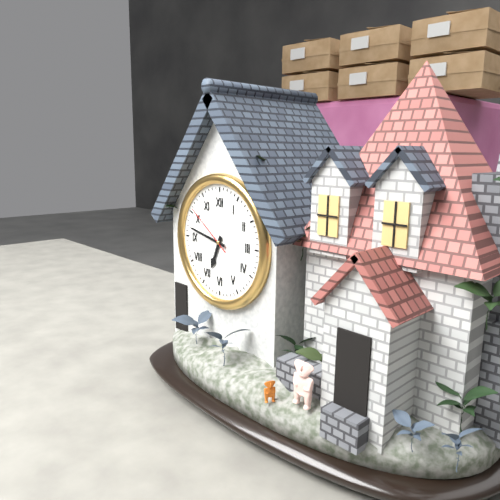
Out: 6:47:51
